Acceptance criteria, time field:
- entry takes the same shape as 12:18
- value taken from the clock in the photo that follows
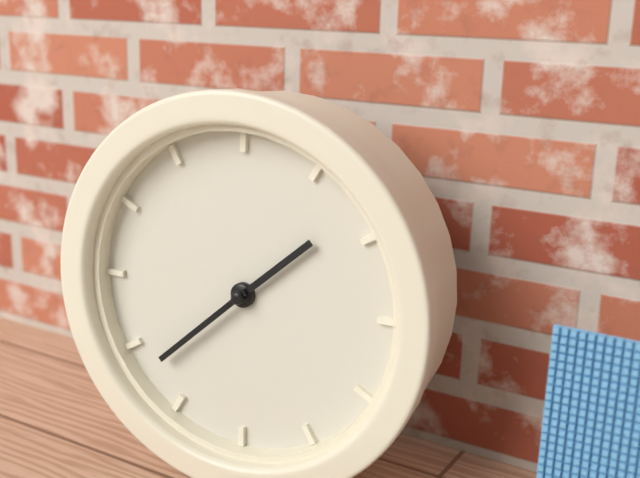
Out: 1:38
